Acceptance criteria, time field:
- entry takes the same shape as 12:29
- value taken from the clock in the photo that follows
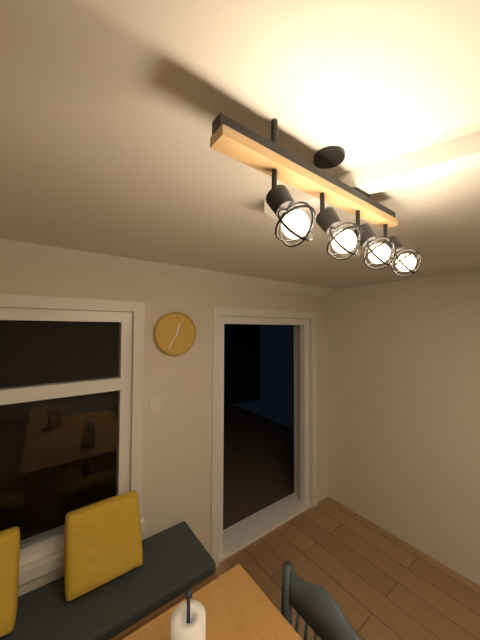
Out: 12:35
